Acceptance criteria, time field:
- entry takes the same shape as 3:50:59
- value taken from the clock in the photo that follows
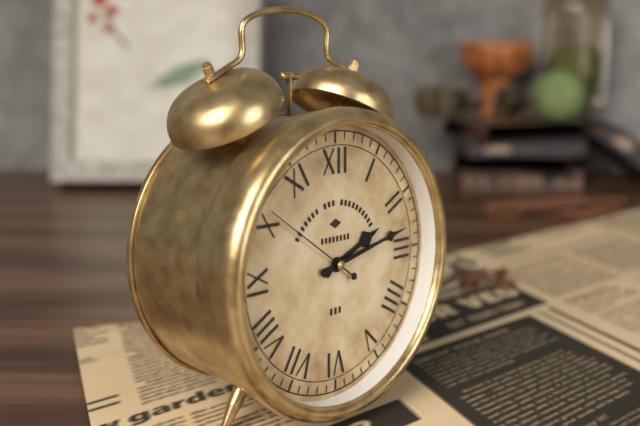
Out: 2:13:51
